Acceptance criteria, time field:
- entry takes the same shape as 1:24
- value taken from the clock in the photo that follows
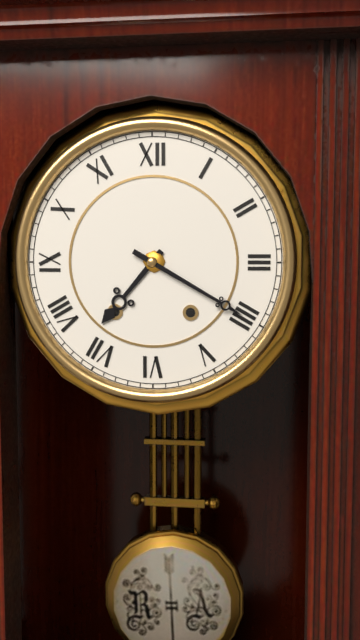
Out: 7:20
